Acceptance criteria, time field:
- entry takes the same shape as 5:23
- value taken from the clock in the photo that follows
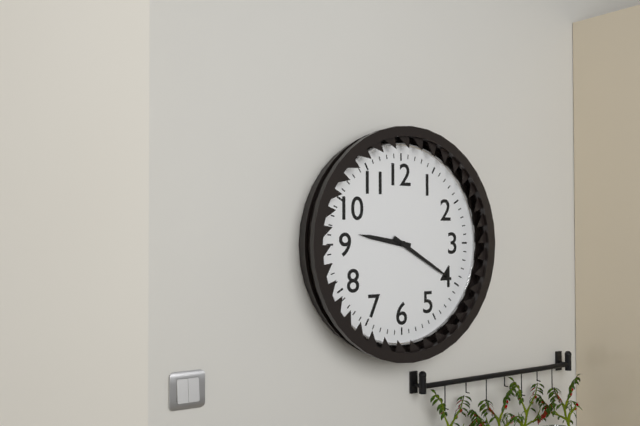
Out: 9:20
